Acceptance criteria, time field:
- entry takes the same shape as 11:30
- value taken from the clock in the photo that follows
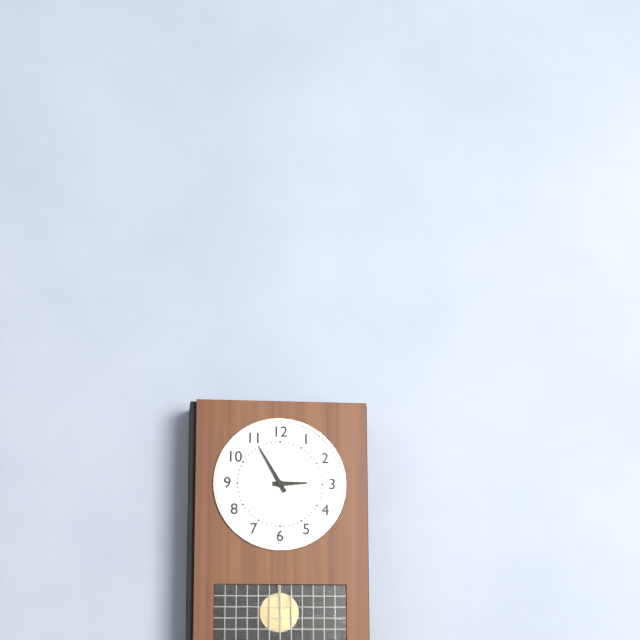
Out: 2:55
